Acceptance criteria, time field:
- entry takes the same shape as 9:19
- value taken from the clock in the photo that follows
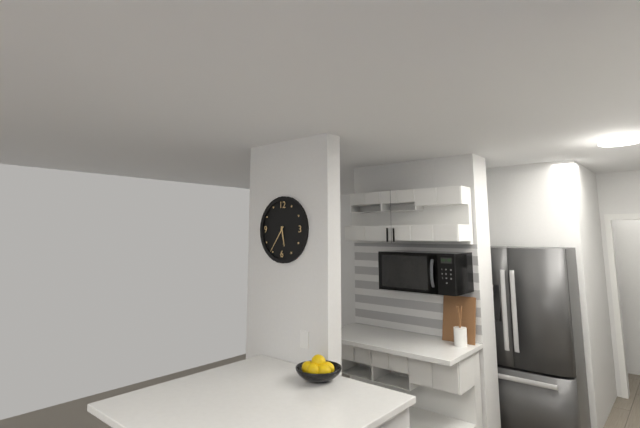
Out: 5:36
